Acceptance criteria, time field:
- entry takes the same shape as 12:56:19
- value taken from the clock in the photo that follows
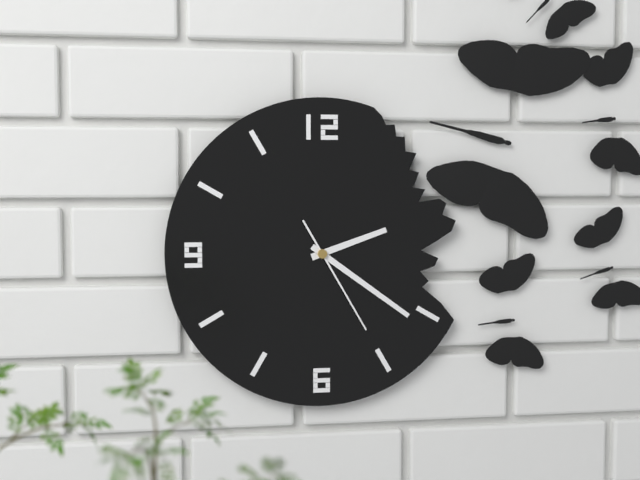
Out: 2:21:25
